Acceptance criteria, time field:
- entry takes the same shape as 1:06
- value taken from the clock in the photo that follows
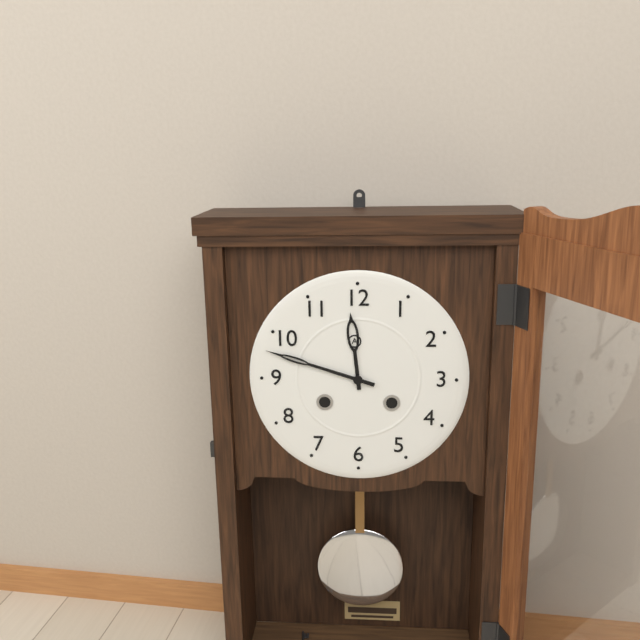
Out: 11:48
